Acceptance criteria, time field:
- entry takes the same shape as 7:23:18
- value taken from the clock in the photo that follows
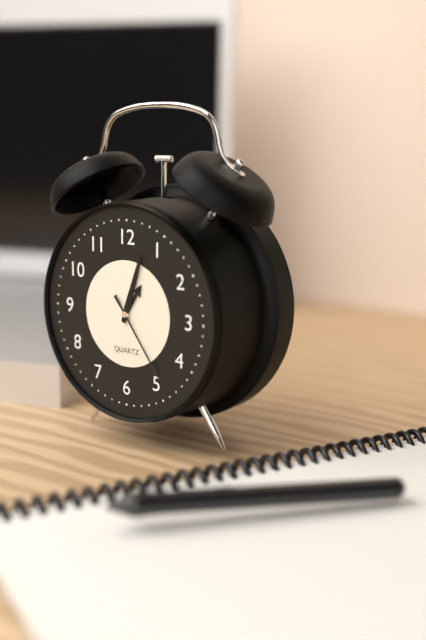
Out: 1:03:24
